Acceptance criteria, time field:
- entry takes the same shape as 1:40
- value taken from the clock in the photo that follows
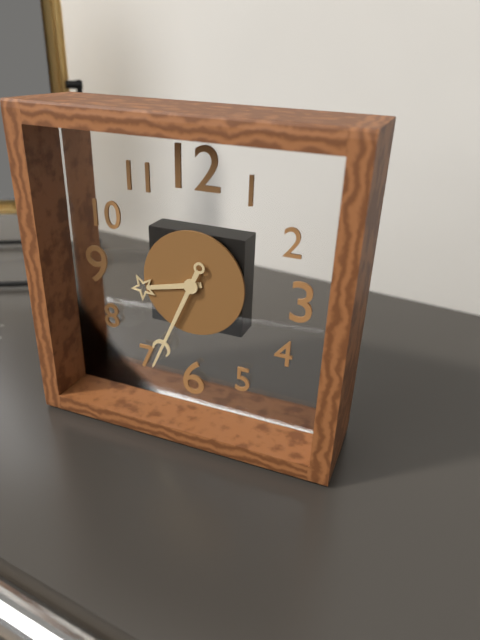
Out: 8:34
